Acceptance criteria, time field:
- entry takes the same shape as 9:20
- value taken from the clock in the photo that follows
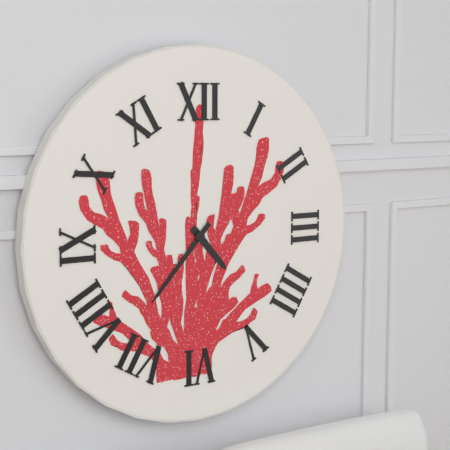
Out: 4:37
